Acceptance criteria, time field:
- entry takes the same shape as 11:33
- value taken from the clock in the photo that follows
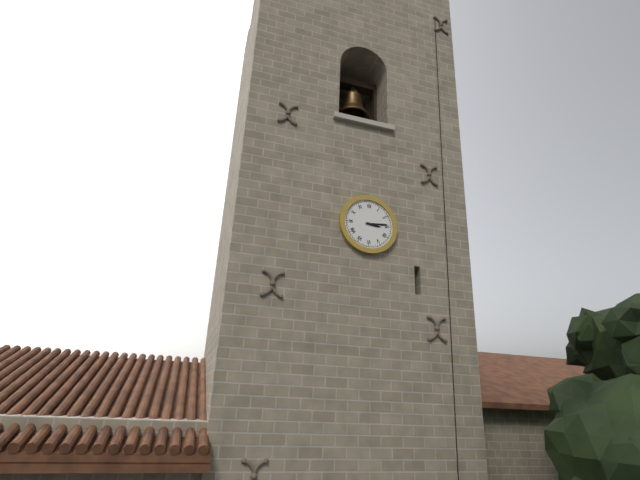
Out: 3:14
